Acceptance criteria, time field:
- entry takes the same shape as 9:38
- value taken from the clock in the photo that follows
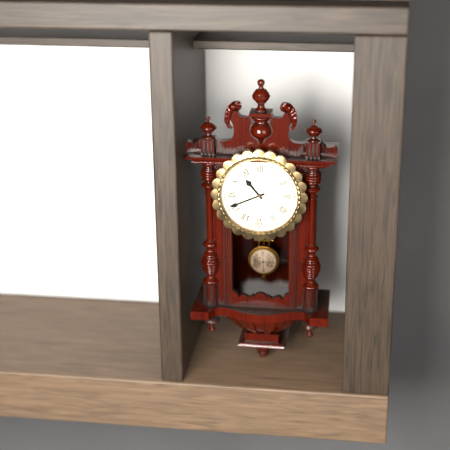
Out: 10:41
